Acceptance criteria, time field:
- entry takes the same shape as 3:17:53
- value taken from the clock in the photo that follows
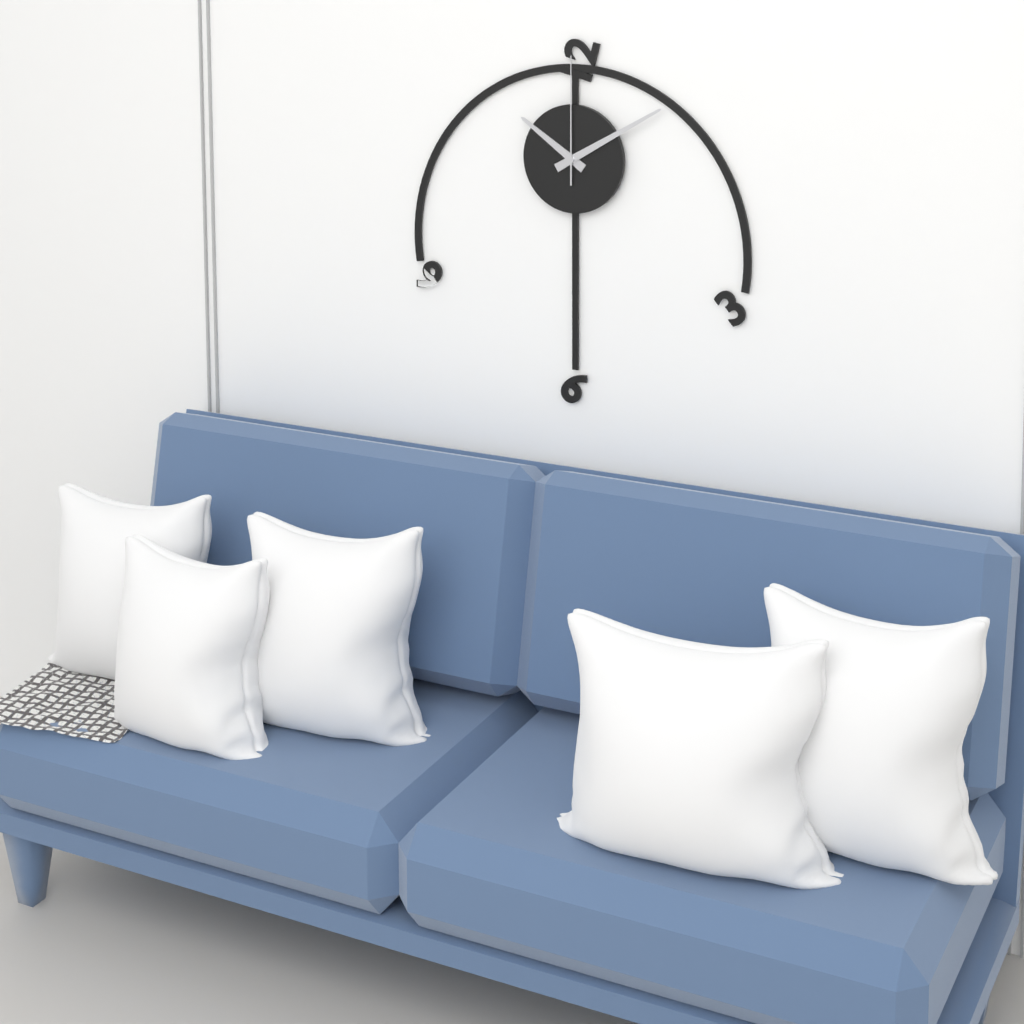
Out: 10:10:00
